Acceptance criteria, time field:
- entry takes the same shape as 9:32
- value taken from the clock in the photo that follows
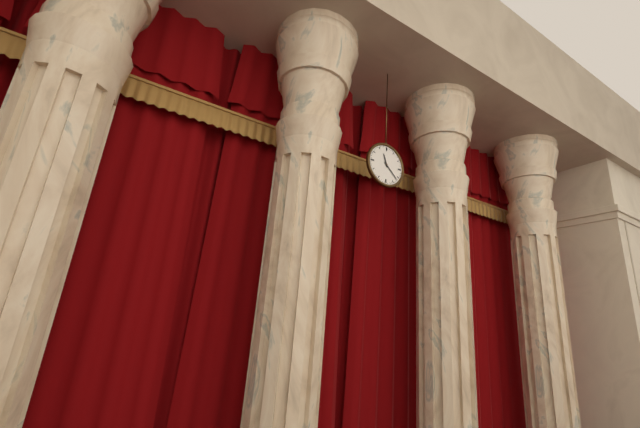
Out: 11:22
